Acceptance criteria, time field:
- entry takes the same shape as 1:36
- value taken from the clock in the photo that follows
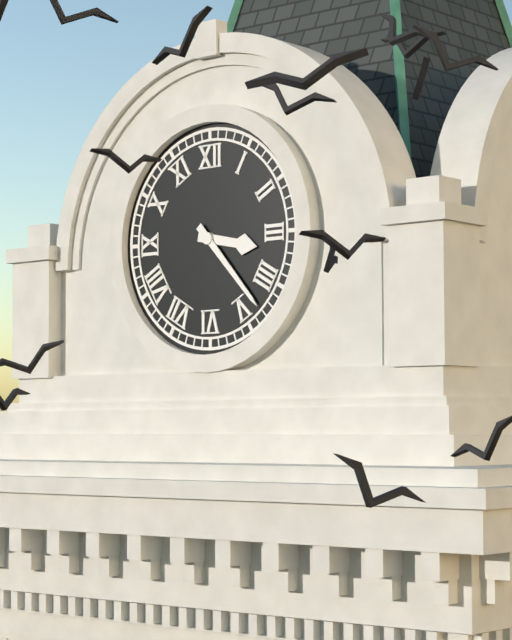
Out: 3:23
